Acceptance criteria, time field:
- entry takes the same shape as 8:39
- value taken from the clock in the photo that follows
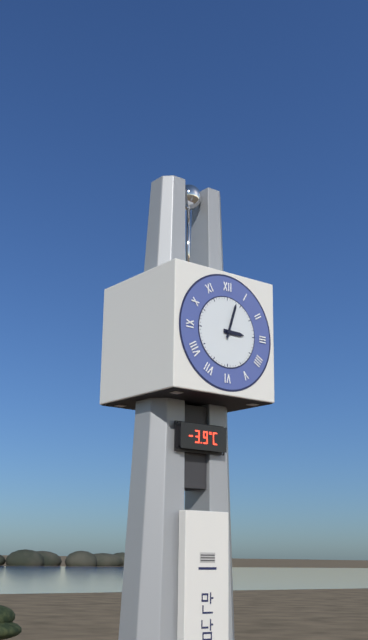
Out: 3:03
